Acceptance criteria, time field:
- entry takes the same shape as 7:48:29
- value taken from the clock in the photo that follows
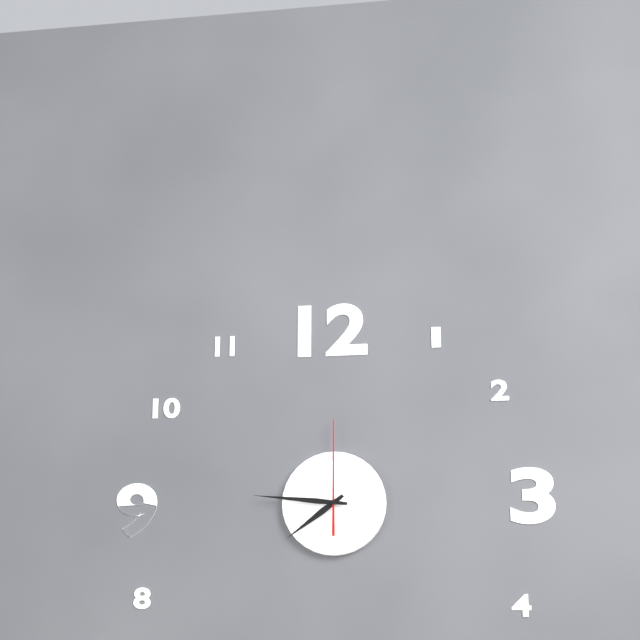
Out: 7:46:00
